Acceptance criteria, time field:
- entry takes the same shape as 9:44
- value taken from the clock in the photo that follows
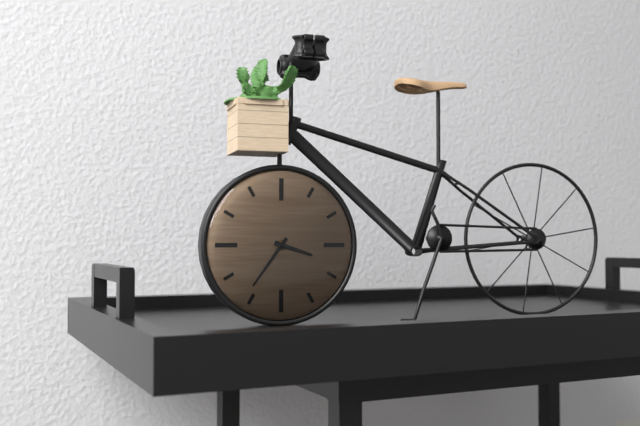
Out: 3:36
